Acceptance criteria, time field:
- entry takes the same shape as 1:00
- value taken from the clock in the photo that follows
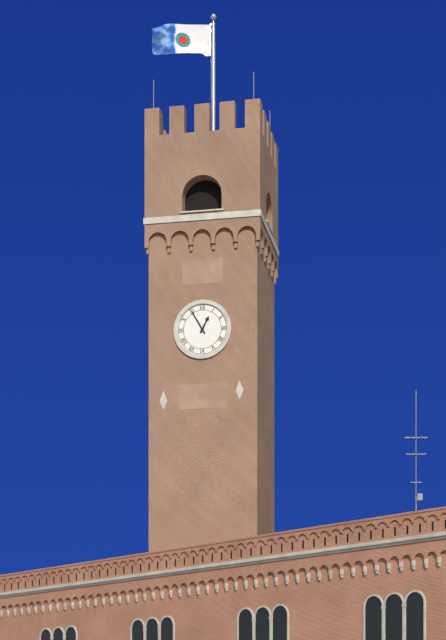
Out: 12:55
